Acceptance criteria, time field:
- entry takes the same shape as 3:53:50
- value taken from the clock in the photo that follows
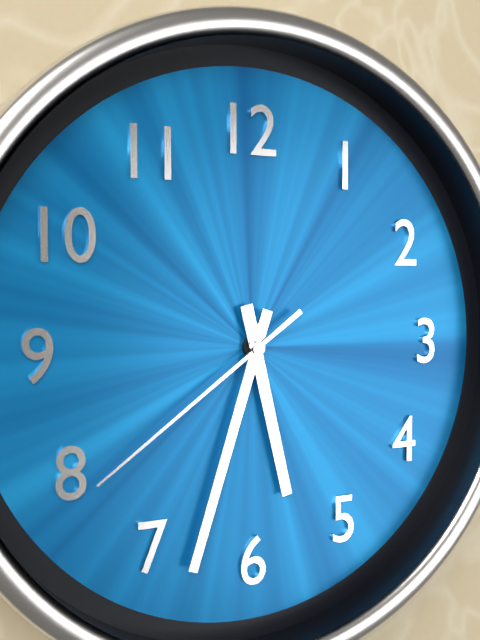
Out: 5:33:39
